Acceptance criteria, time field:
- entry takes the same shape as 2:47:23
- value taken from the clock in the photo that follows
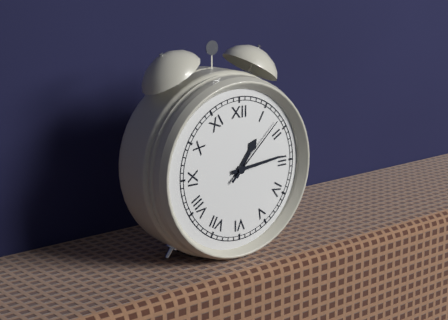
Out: 1:14:08
